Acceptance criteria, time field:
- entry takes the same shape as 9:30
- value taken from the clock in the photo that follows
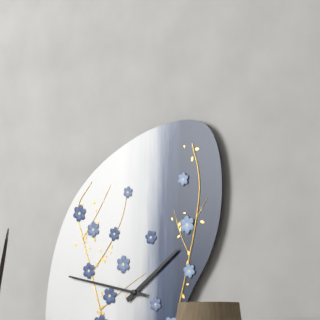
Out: 1:47
